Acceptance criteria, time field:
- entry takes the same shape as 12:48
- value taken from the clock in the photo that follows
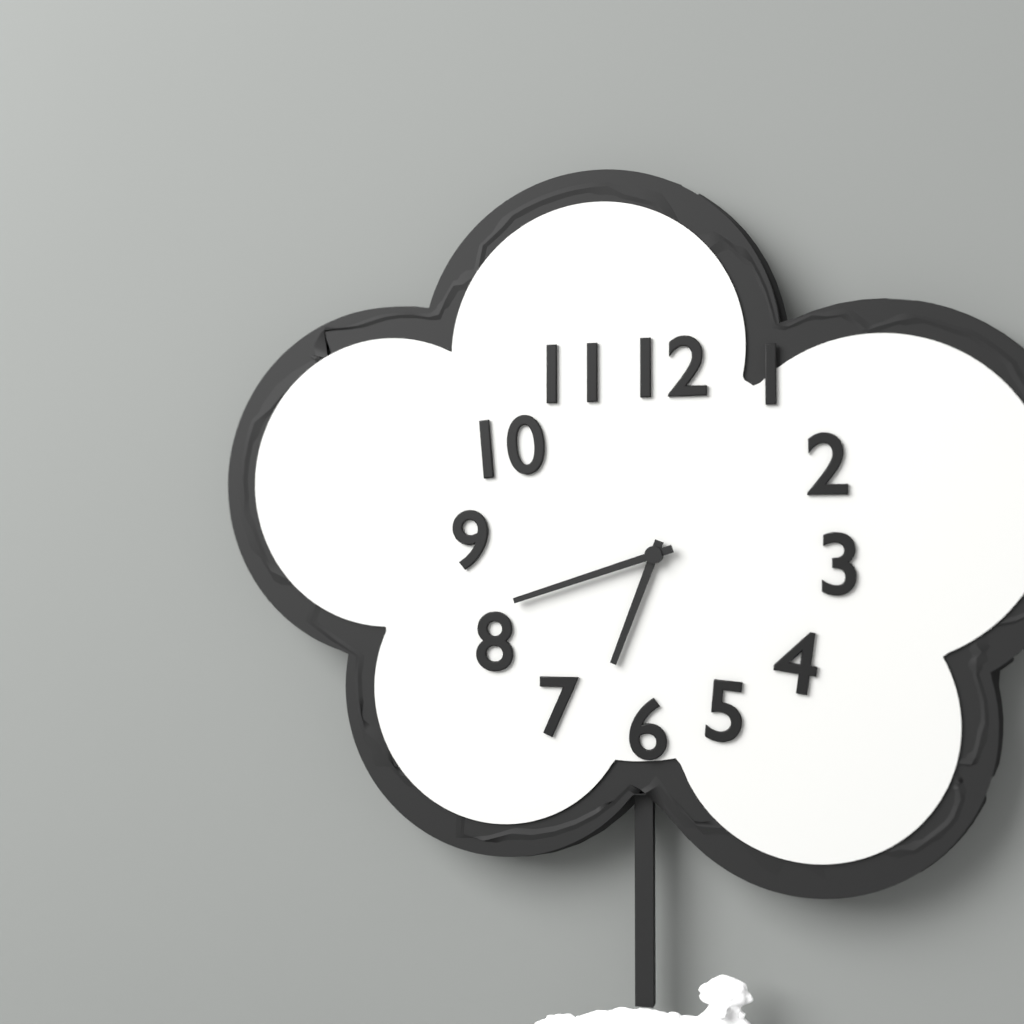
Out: 6:42
